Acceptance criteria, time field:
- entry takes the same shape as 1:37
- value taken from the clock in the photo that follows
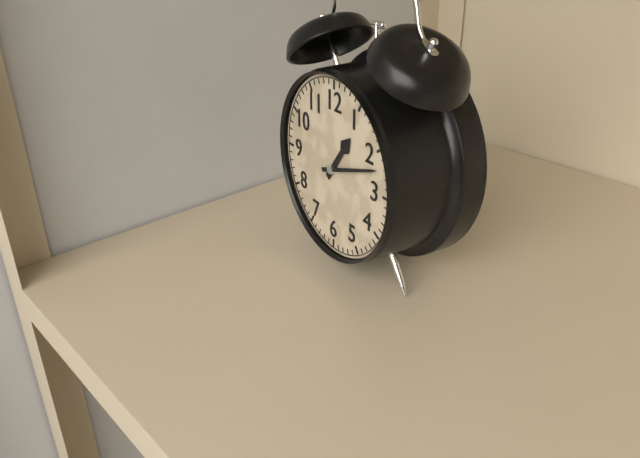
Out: 1:12
